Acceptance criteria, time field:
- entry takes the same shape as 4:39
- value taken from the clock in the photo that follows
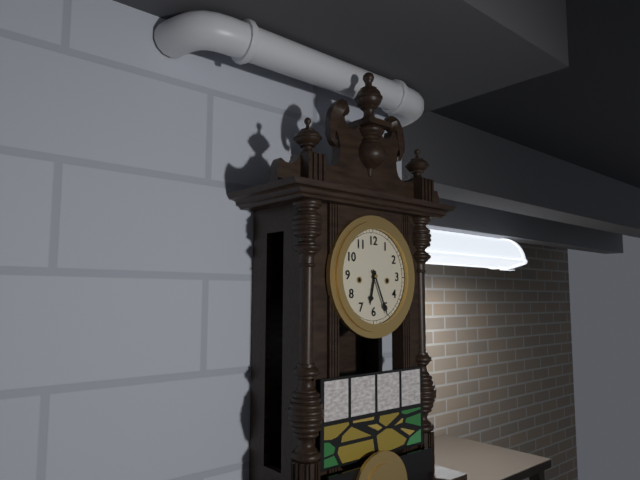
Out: 6:26
